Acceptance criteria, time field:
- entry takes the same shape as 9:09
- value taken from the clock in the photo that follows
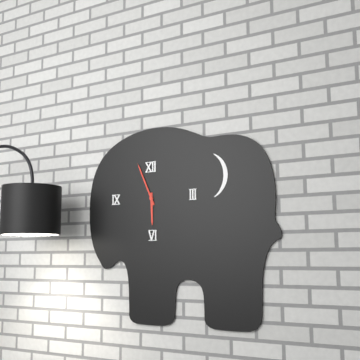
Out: 5:56
